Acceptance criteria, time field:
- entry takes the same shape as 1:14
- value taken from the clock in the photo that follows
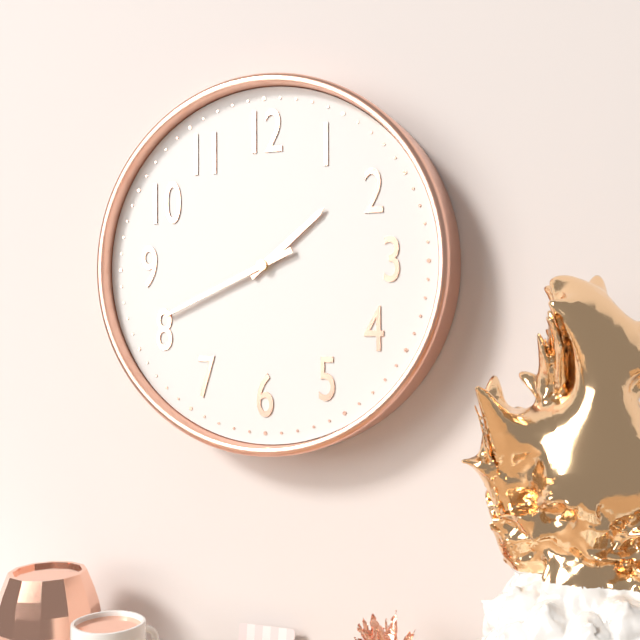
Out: 1:41
